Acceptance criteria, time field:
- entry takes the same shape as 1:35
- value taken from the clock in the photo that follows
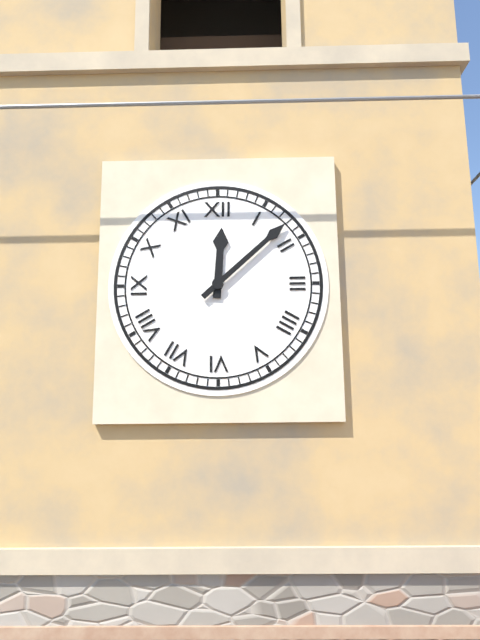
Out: 12:08
